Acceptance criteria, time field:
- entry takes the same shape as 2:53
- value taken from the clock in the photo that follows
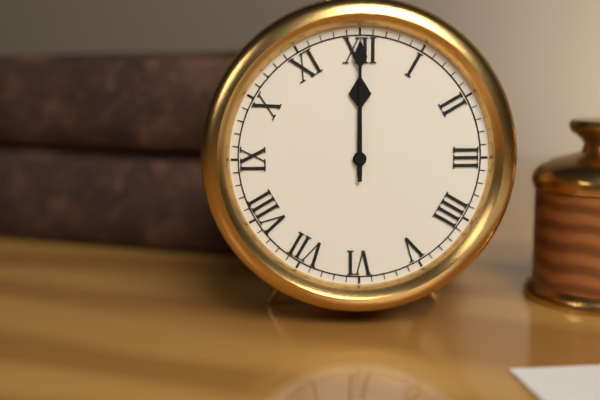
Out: 12:00
